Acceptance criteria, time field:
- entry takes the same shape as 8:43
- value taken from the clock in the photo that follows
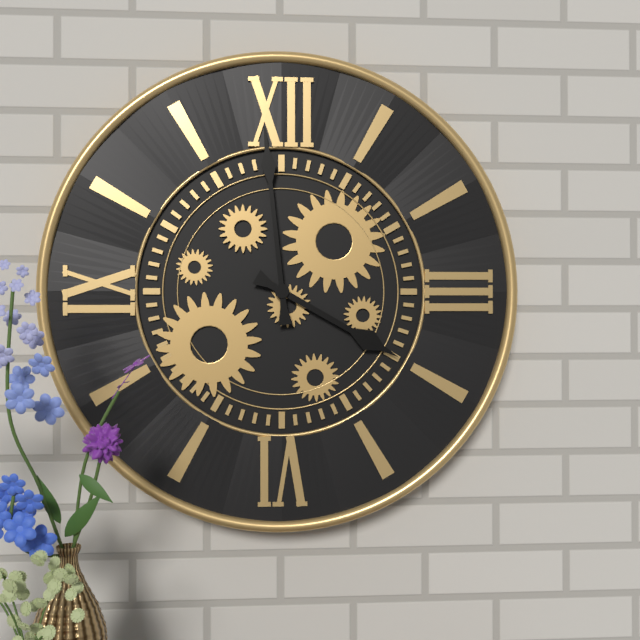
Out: 3:59
